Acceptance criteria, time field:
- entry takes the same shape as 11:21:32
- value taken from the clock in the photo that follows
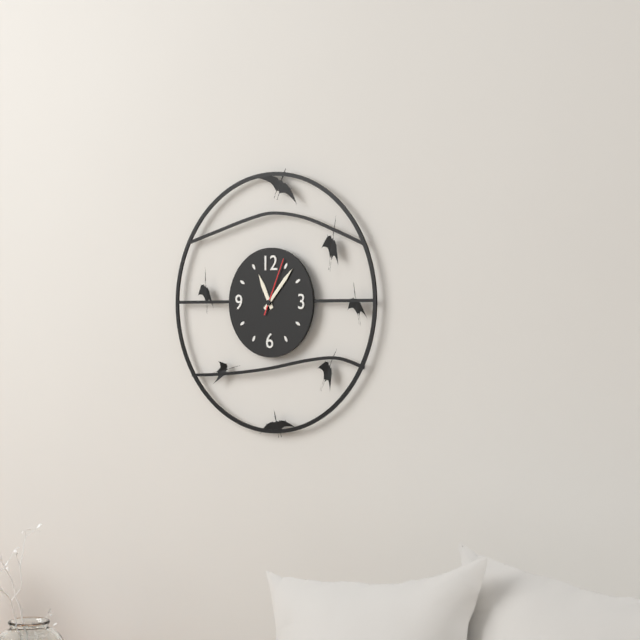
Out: 11:07:04
